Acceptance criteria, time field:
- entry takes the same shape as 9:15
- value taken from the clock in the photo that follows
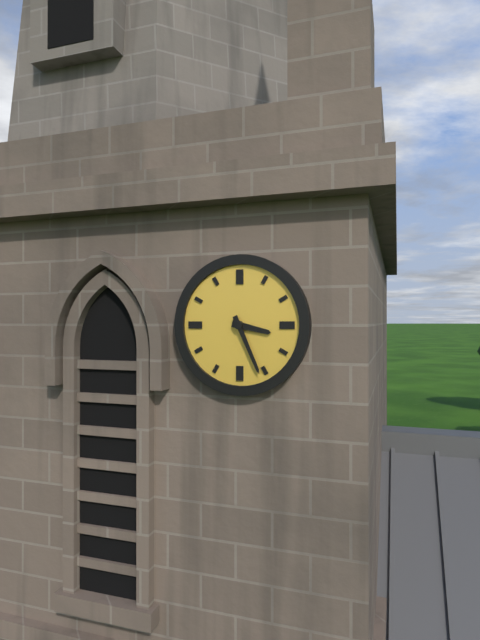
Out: 3:26
